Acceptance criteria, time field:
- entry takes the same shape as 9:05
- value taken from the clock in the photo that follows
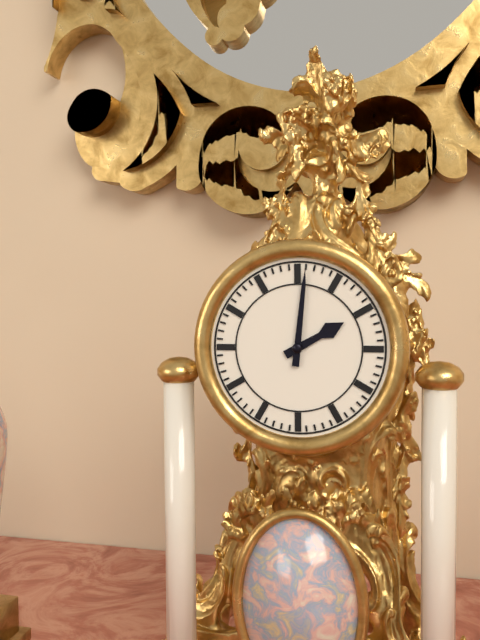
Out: 2:01
